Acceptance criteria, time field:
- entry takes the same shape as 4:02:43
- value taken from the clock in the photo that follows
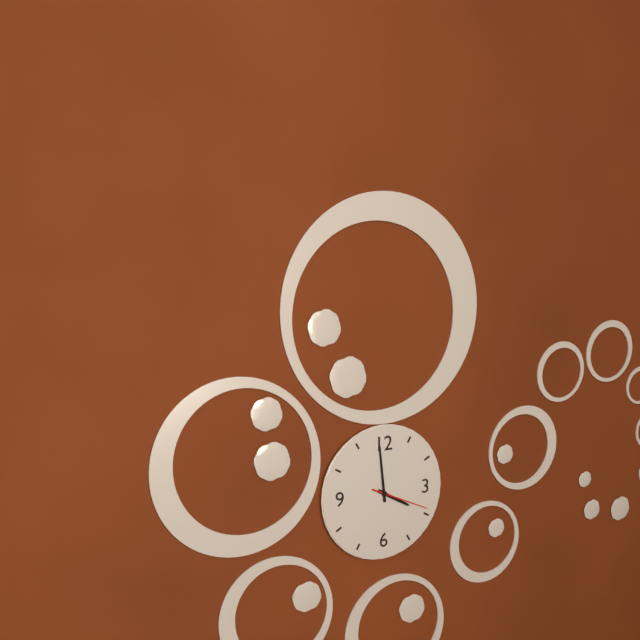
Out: 3:59:19
